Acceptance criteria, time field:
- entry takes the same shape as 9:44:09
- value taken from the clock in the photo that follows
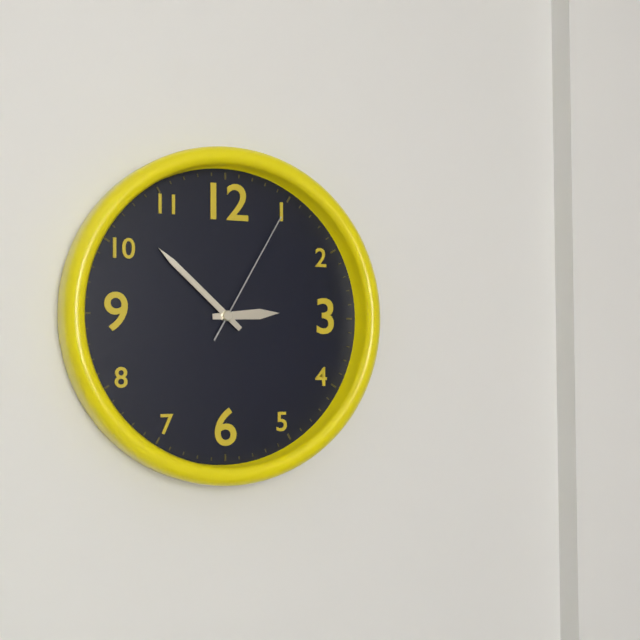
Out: 2:52:05
